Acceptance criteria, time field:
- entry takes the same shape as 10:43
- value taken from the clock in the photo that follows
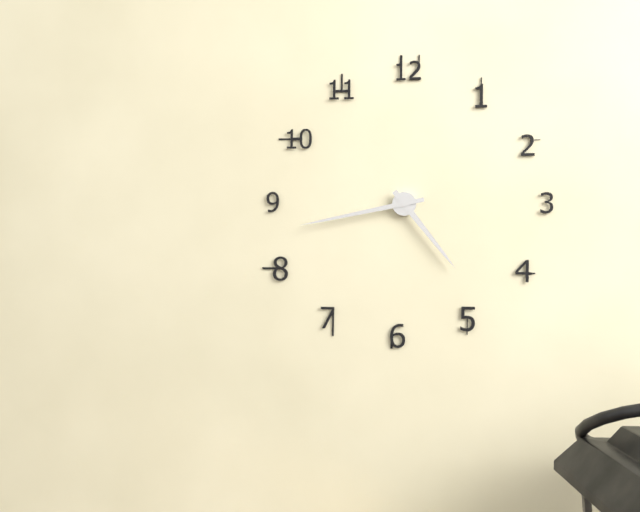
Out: 4:43
